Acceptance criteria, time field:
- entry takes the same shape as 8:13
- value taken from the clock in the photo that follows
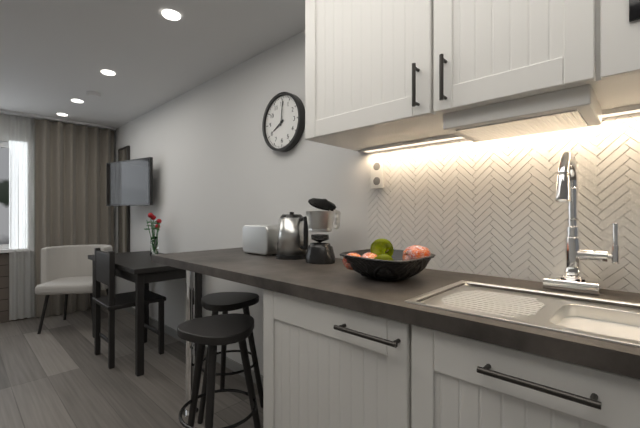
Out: 8:01
